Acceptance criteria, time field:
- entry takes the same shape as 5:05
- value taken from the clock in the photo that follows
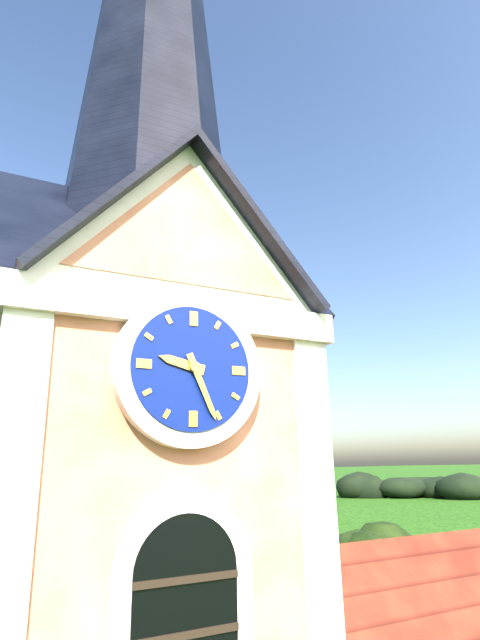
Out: 9:26
